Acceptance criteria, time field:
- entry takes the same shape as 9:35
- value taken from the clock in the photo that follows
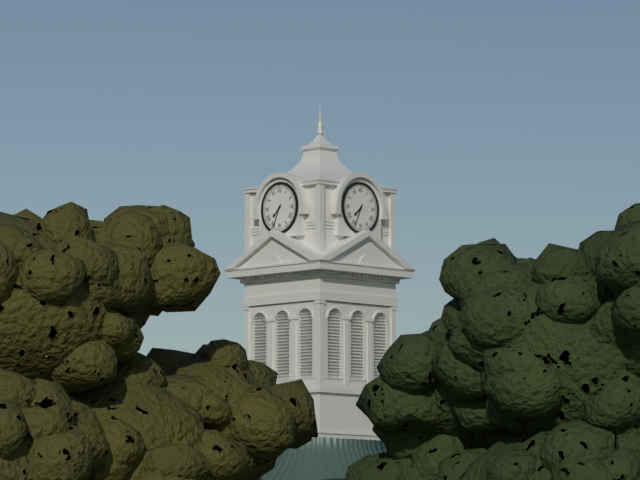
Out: 7:34
